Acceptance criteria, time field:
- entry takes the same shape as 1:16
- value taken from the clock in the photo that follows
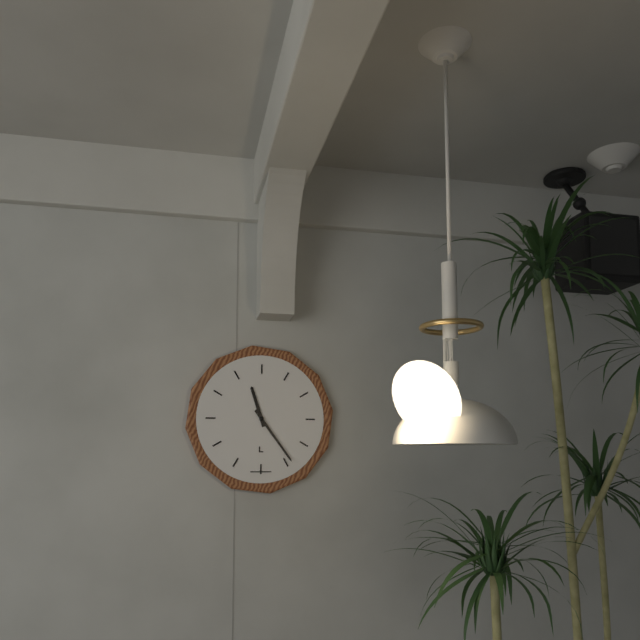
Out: 11:24
